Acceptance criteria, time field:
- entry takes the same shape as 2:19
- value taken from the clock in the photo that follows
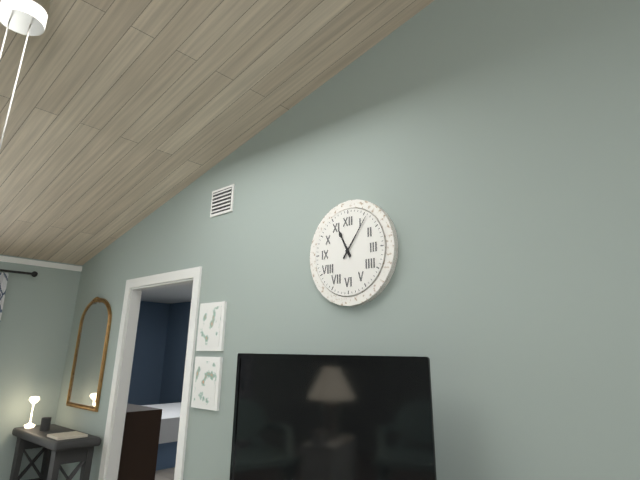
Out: 11:06
